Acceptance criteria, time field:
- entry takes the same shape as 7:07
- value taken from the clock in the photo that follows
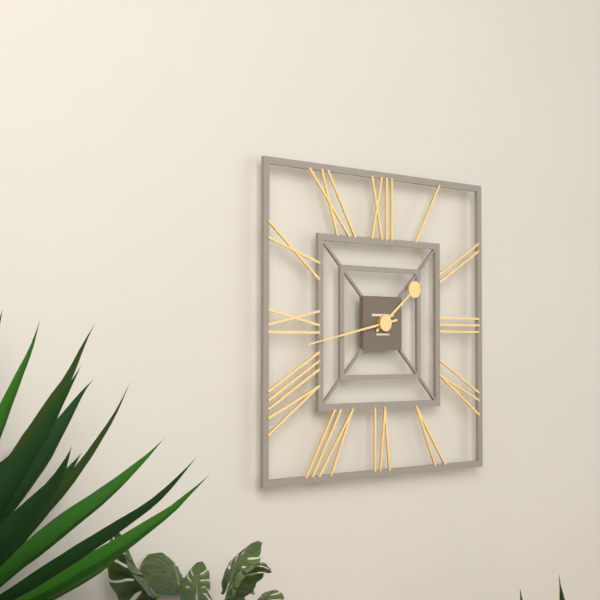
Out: 1:43
